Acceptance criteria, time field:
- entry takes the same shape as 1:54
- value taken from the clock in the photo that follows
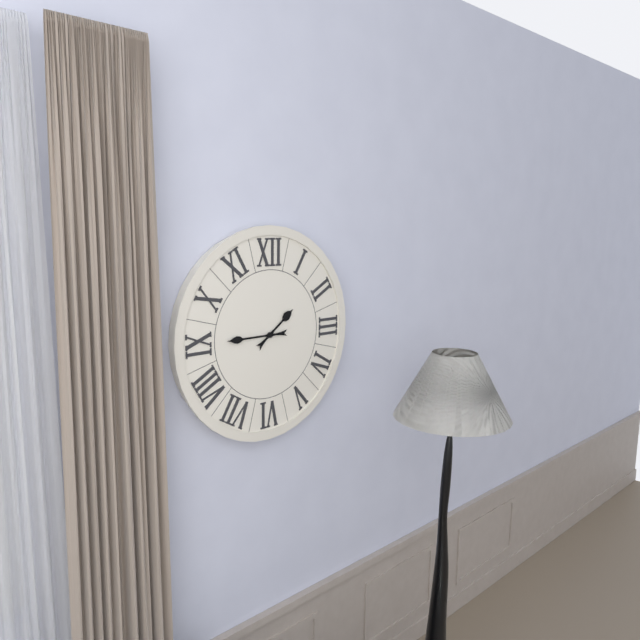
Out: 1:45
